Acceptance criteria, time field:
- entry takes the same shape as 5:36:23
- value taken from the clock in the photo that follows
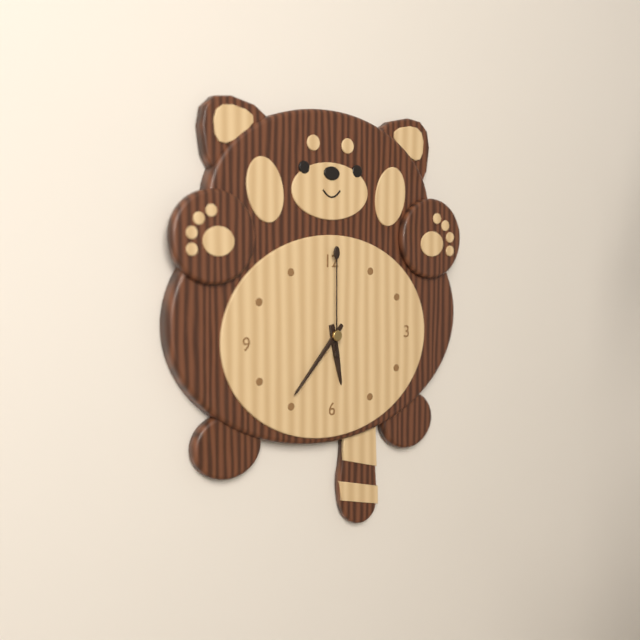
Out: 5:37:00
